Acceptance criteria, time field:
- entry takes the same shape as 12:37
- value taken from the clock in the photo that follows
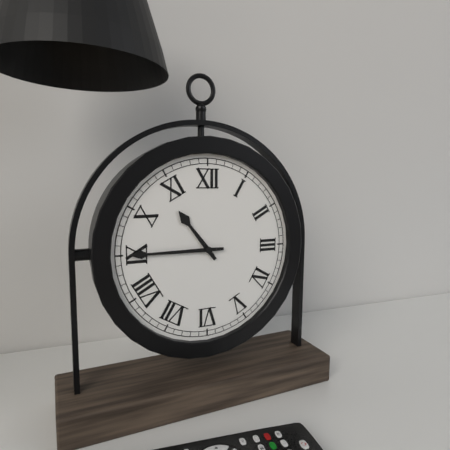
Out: 10:45
